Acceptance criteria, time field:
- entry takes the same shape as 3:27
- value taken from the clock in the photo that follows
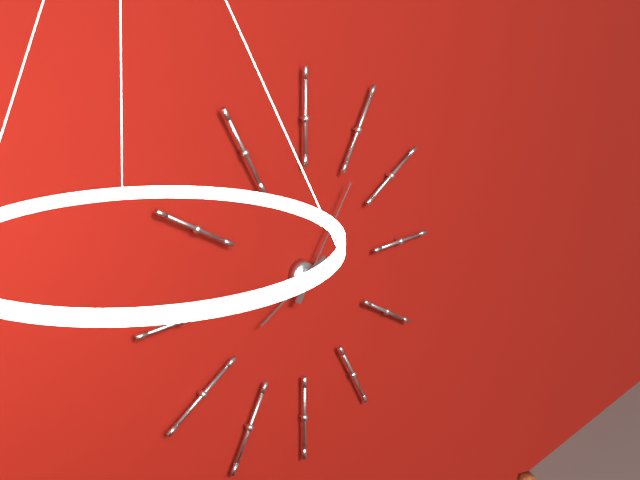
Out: 8:06
